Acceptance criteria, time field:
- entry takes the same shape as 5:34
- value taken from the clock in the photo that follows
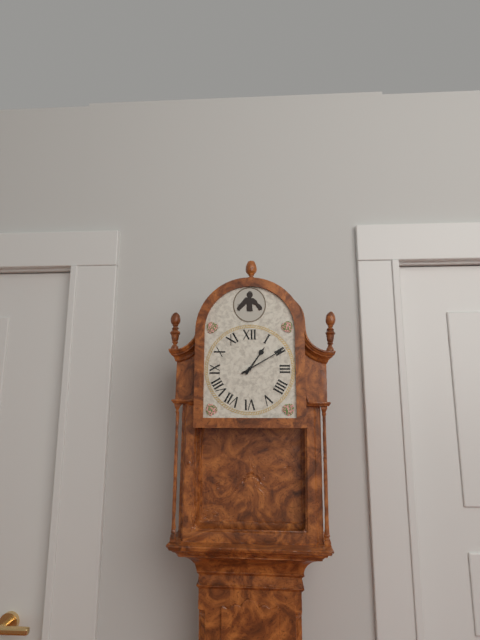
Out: 1:10
